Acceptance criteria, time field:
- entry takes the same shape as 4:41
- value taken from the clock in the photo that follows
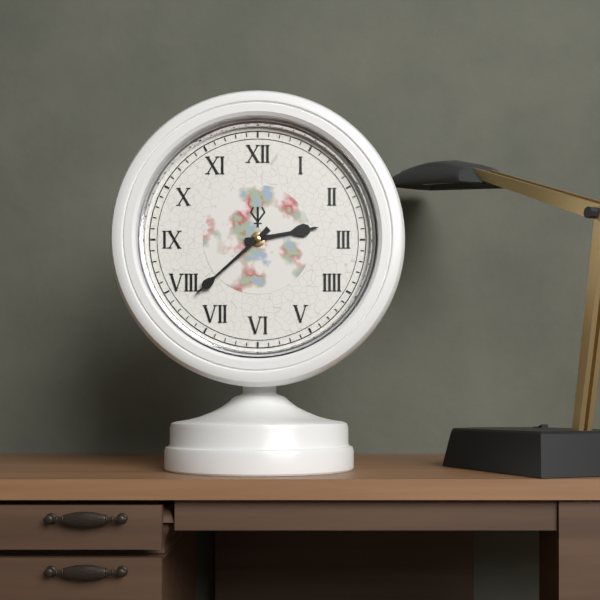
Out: 2:38
